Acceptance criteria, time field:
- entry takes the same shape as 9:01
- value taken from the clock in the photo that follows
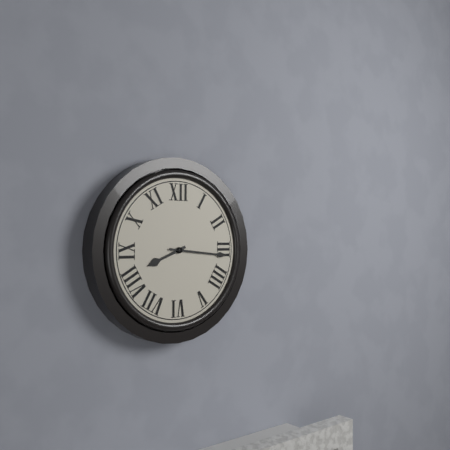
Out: 8:16
